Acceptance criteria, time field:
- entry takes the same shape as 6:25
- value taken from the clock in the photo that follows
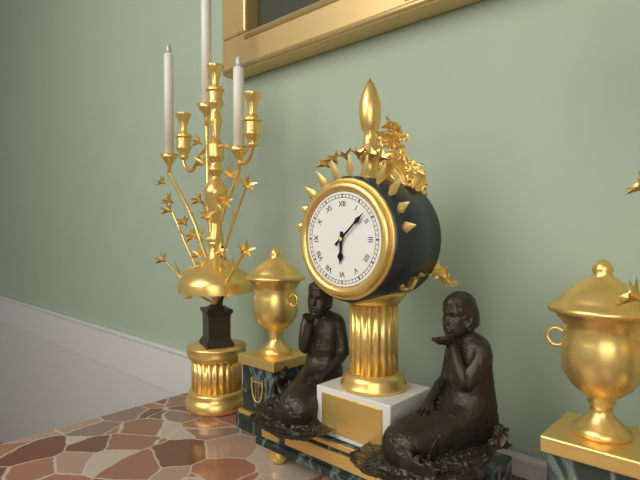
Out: 6:08
